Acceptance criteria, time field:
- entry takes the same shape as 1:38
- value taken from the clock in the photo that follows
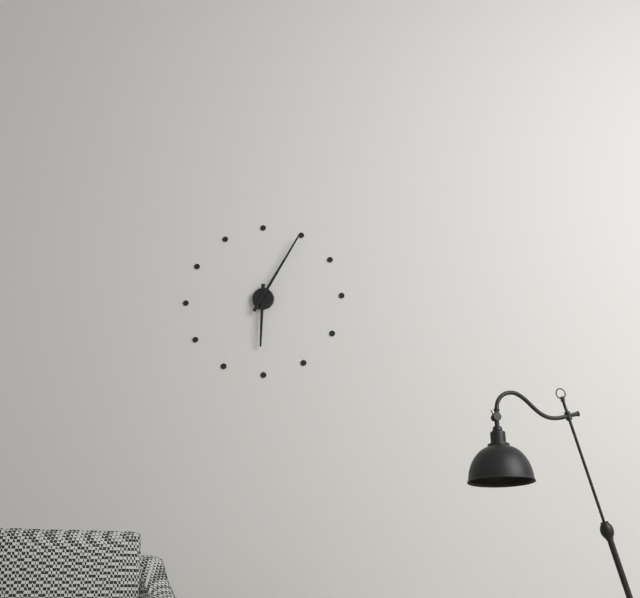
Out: 6:05
